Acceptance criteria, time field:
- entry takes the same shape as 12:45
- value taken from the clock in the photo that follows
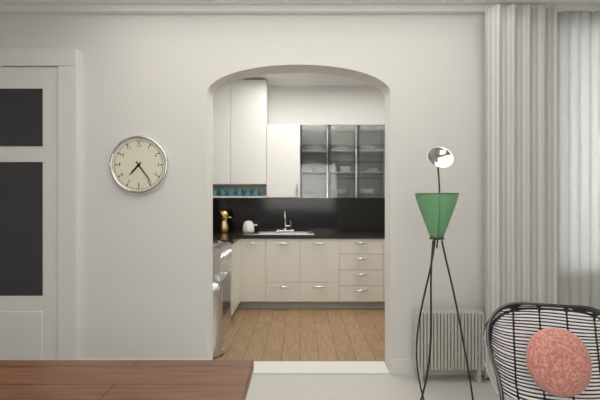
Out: 7:24
